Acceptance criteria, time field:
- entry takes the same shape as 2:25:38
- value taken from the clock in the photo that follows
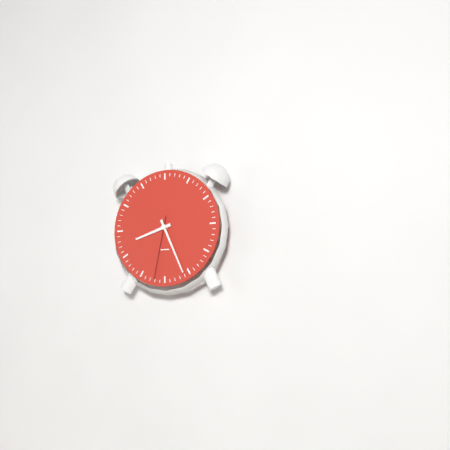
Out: 8:26:32
